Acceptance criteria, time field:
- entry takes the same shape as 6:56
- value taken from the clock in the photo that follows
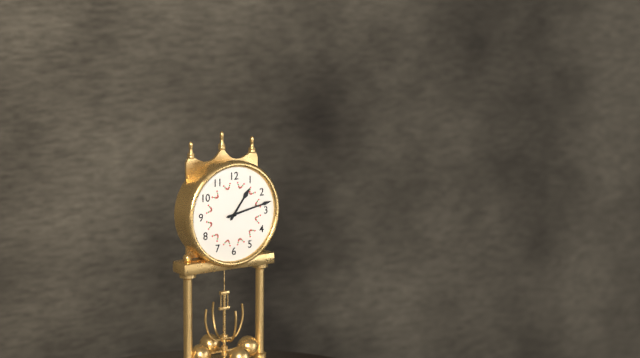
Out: 1:13
